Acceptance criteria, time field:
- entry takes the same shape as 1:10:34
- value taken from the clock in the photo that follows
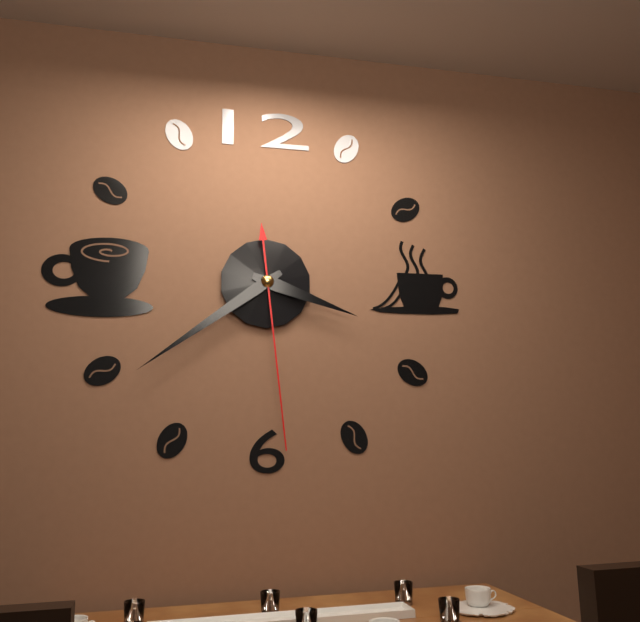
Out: 3:39:29
